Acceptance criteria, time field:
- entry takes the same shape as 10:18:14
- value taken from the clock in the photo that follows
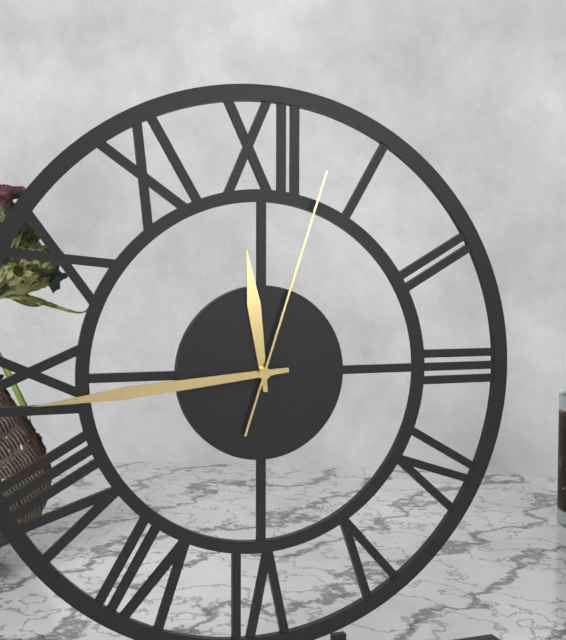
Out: 11:44:03
